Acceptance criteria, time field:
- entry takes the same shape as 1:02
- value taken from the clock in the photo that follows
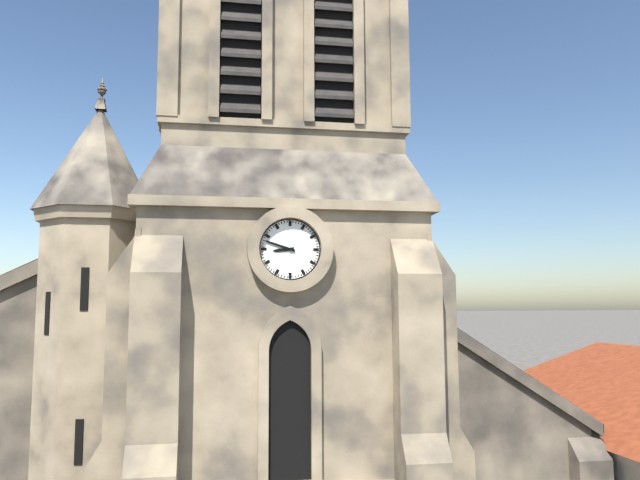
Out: 8:48
